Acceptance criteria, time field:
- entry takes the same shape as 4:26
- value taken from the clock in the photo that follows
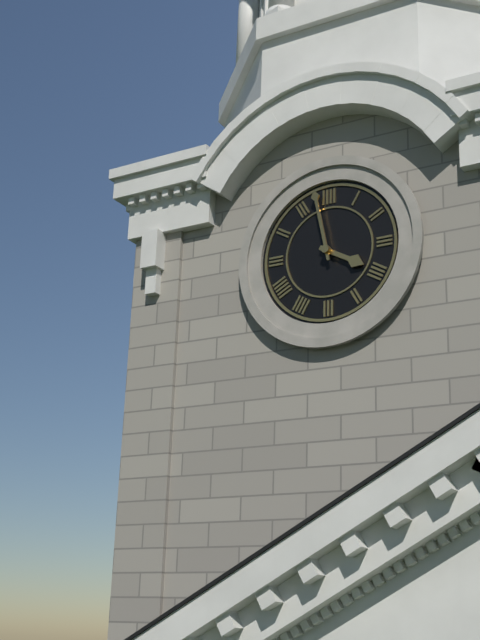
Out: 3:58
